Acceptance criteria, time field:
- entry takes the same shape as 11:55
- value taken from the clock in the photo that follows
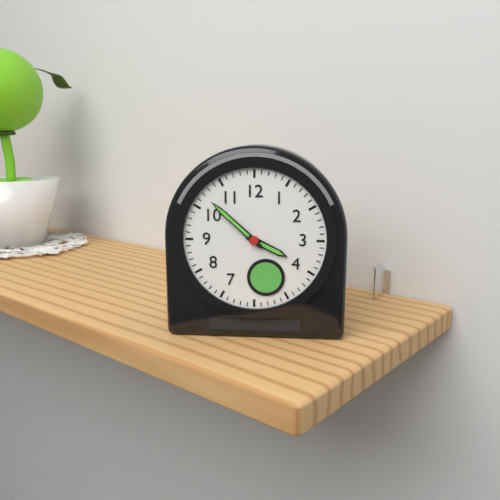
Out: 3:52
